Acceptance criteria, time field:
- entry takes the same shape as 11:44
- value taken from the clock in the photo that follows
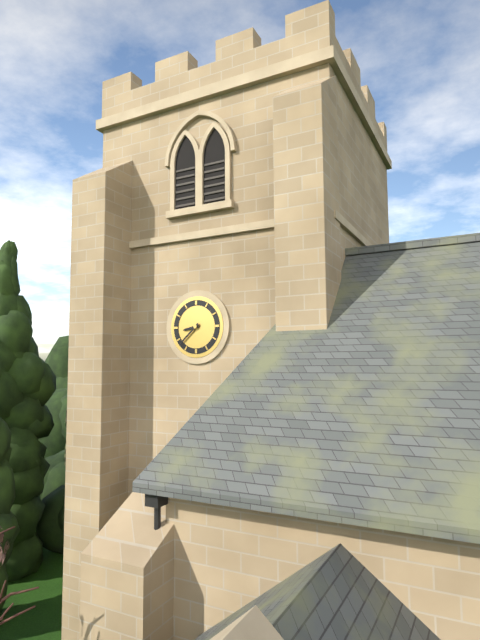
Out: 8:38
